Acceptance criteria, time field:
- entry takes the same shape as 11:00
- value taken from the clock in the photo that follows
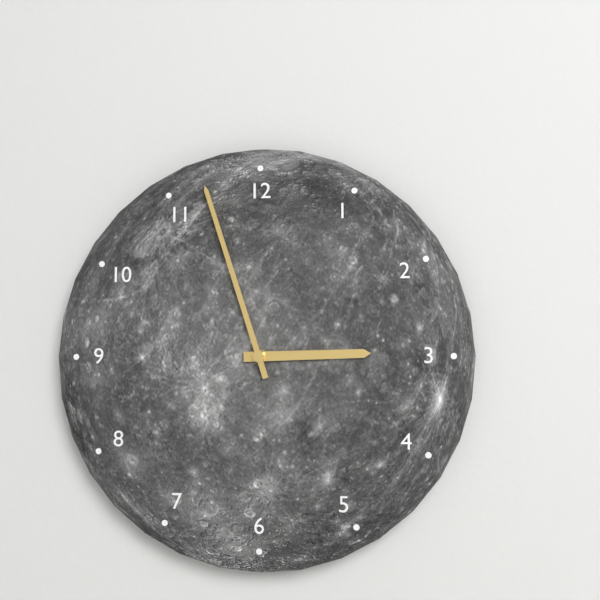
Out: 2:57
